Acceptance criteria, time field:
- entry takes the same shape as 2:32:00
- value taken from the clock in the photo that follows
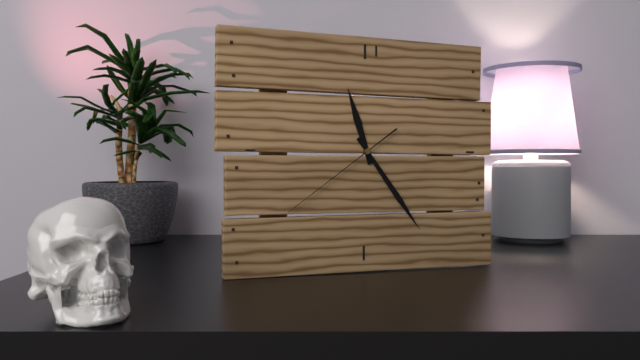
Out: 11:24:39
